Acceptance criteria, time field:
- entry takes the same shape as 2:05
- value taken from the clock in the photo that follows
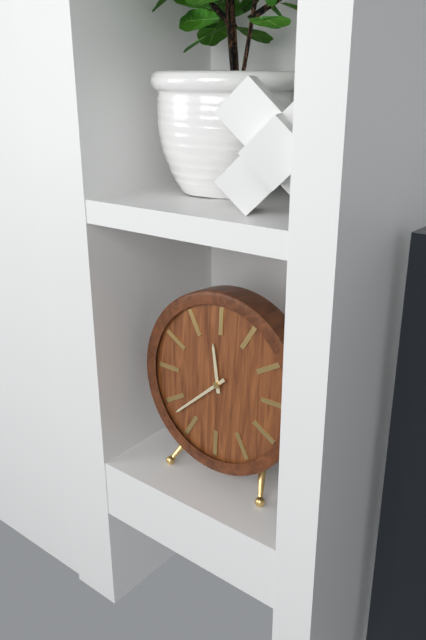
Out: 11:38
